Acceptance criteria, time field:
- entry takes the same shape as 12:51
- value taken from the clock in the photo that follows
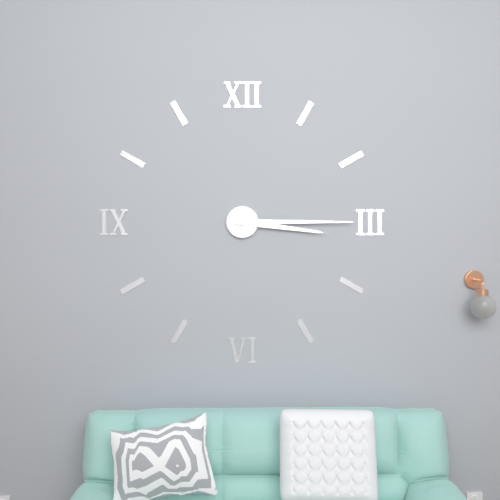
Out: 3:15
